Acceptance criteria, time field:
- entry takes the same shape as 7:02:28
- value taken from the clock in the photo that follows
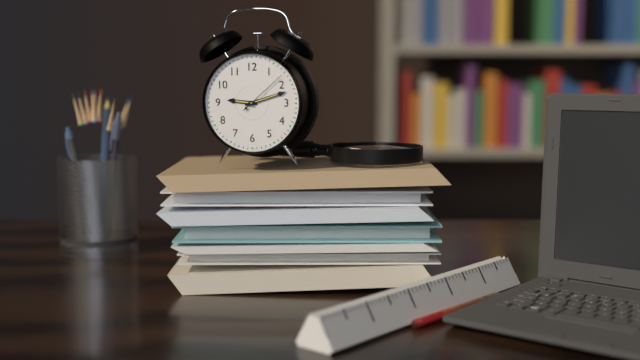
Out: 9:12:08
